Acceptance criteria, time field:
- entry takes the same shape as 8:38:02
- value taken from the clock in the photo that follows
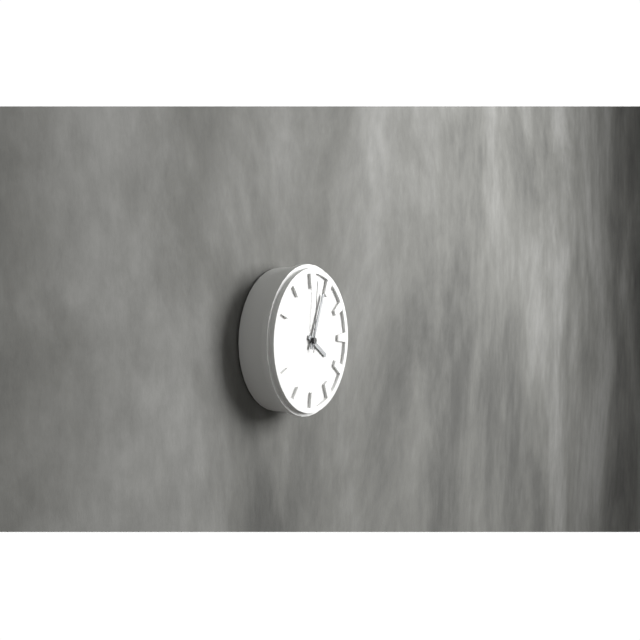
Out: 4:04:01
